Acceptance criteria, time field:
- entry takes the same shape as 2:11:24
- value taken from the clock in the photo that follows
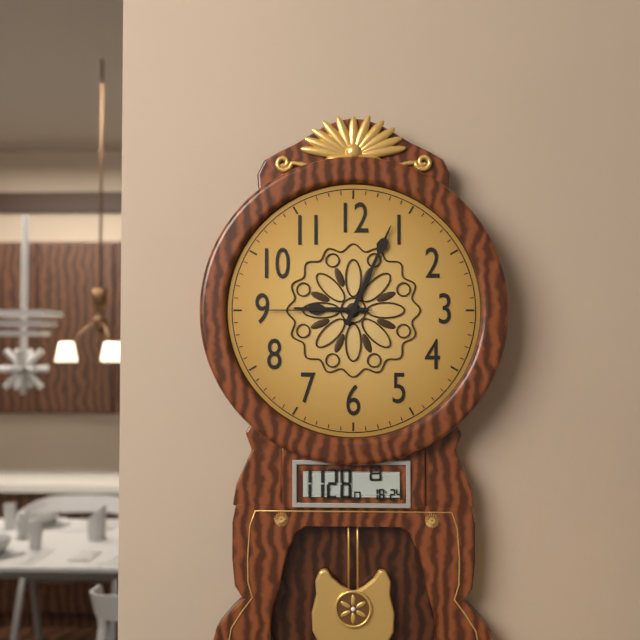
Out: 9:04:45
